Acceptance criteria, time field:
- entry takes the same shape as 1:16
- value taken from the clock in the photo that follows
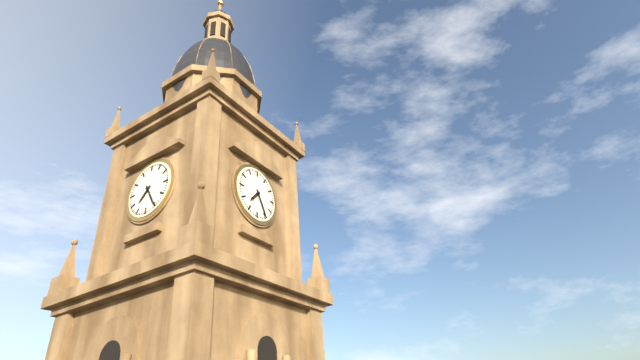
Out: 7:25
